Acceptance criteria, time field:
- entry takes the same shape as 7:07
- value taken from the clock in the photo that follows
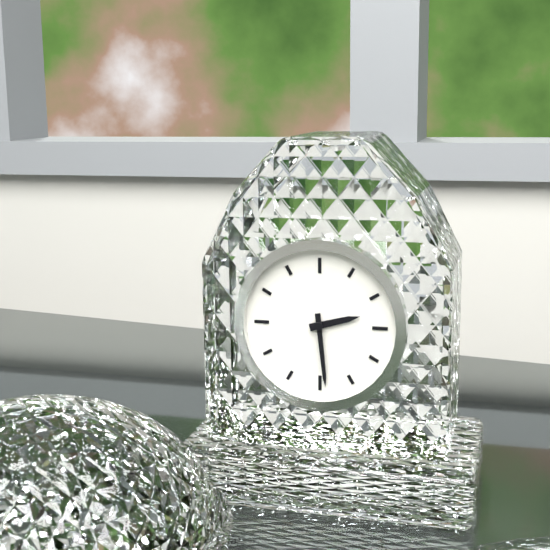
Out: 2:29
